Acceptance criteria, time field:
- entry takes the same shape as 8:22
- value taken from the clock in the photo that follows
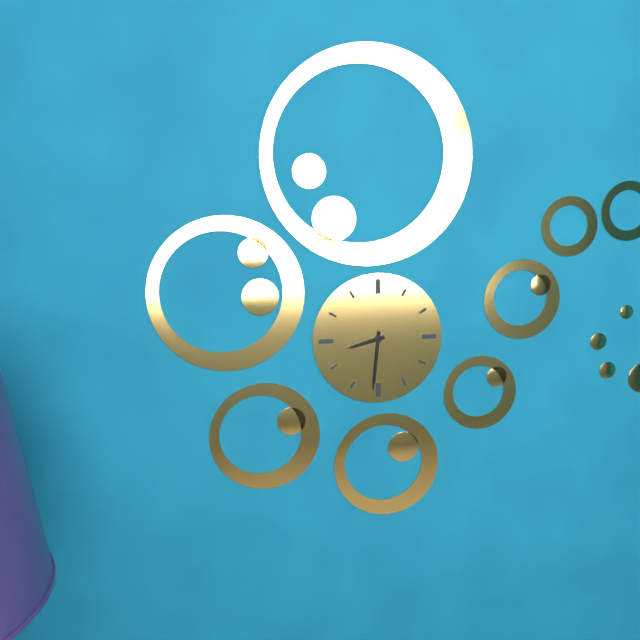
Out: 8:31
